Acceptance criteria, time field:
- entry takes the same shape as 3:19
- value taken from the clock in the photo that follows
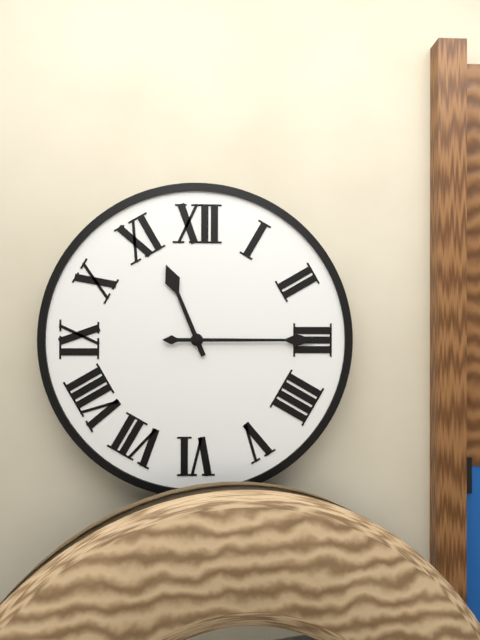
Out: 11:15
